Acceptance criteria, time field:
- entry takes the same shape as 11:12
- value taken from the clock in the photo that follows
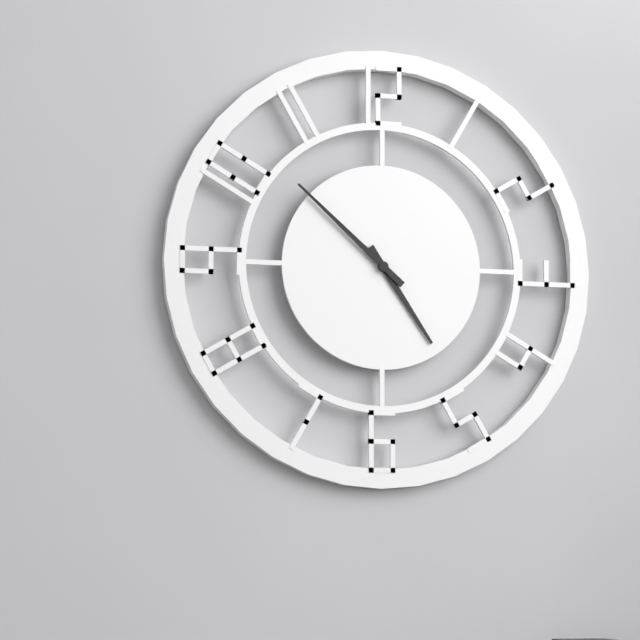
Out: 4:52
